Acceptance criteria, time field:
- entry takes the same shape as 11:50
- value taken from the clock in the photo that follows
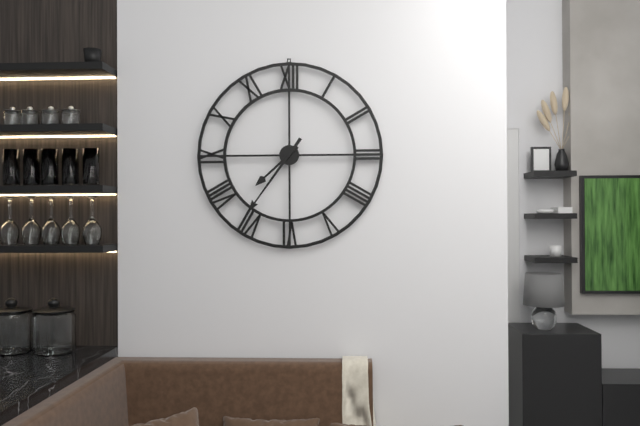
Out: 7:36
